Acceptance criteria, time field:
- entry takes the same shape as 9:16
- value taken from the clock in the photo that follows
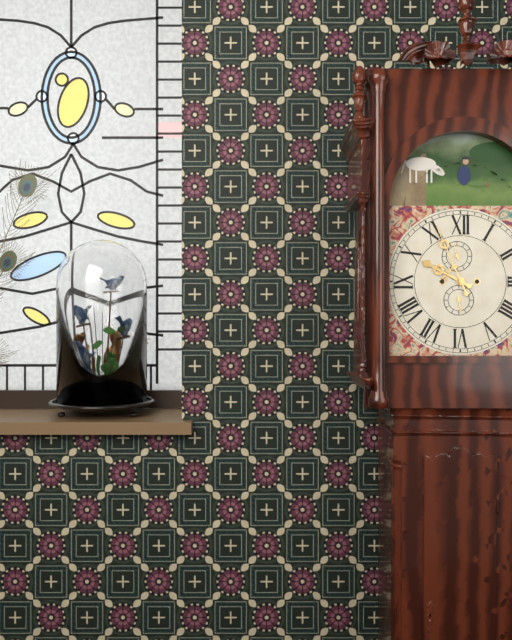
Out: 9:56
